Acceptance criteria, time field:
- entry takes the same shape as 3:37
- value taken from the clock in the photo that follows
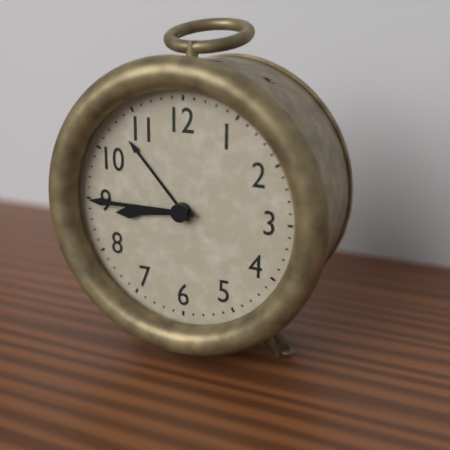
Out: 8:45
